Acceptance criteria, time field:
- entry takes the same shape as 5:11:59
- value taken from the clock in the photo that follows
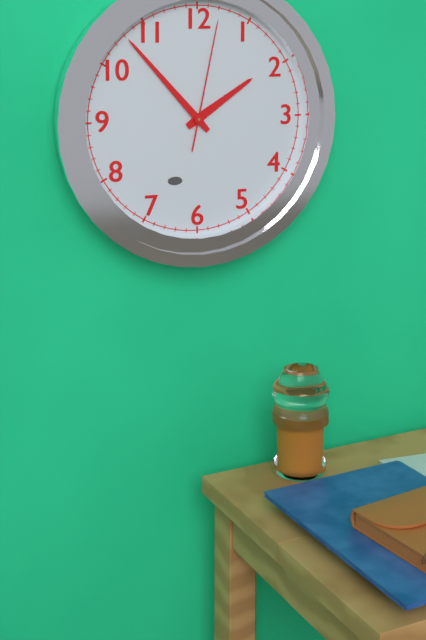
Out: 1:53:02
